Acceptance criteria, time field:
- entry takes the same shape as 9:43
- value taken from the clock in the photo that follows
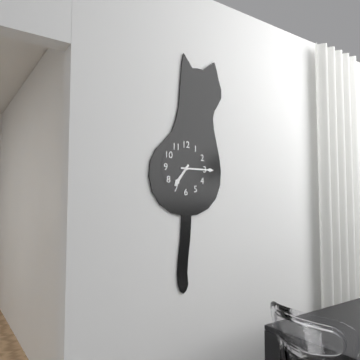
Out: 7:15
